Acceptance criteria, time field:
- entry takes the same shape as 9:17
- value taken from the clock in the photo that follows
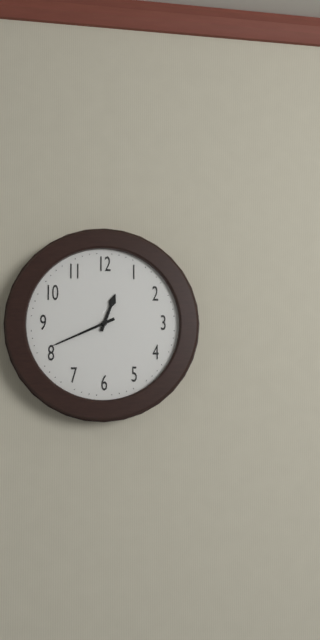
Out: 12:41
